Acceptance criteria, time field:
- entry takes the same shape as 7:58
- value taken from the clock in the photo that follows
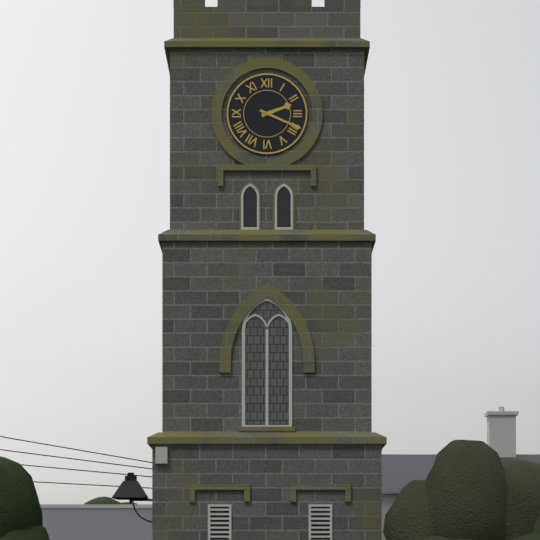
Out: 2:19
